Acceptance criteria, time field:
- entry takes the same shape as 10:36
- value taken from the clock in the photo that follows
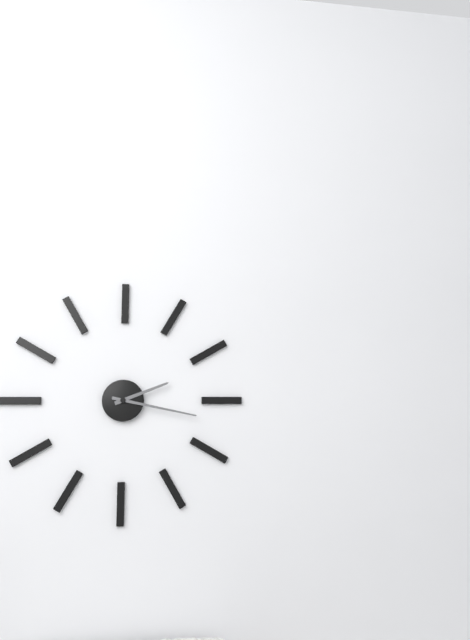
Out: 2:17
